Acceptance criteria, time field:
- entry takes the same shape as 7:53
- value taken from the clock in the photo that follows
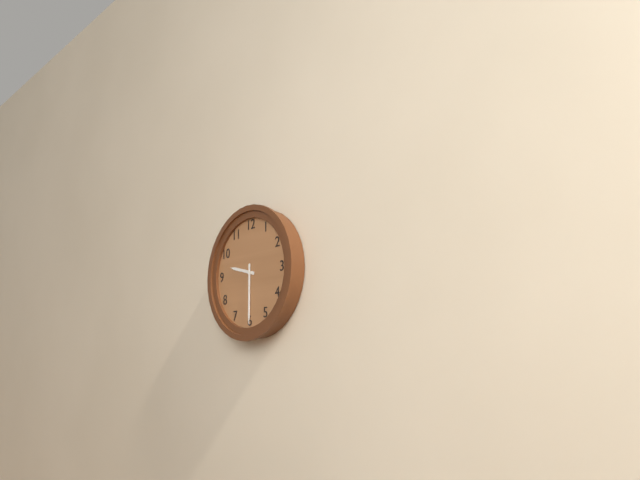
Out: 9:30
